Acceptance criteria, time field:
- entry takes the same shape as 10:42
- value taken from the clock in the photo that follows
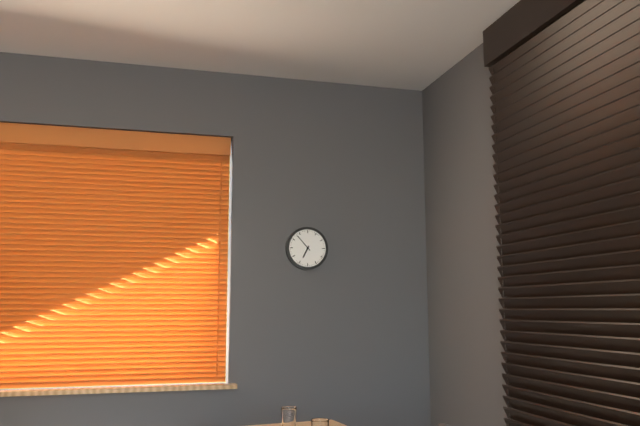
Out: 6:53
